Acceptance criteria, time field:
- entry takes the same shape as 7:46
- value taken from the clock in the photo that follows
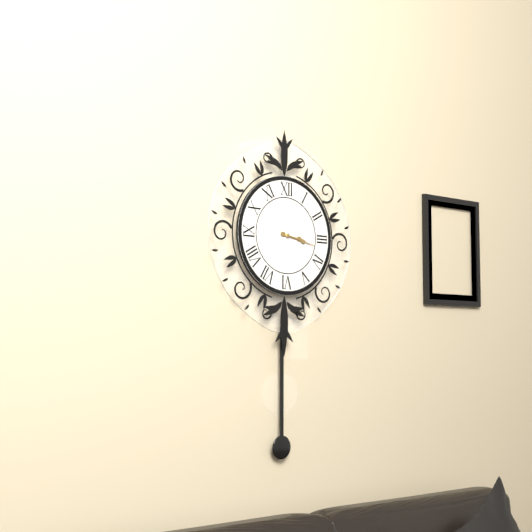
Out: 3:17
